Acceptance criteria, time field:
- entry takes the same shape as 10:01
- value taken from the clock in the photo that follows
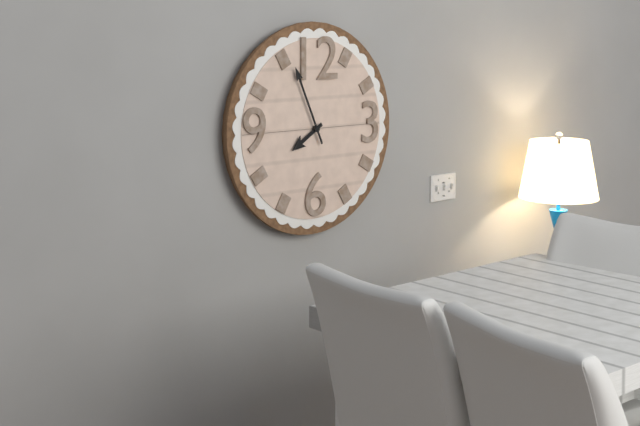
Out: 7:56
